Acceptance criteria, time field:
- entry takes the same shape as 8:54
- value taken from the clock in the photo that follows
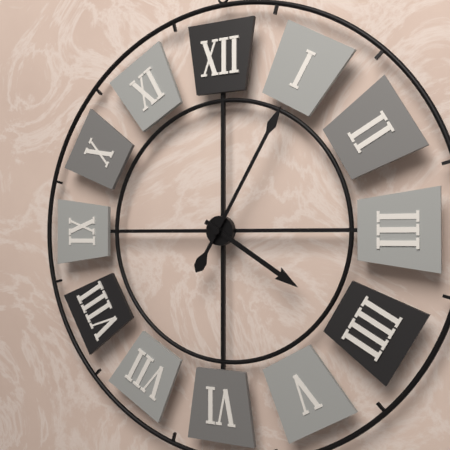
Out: 4:05
